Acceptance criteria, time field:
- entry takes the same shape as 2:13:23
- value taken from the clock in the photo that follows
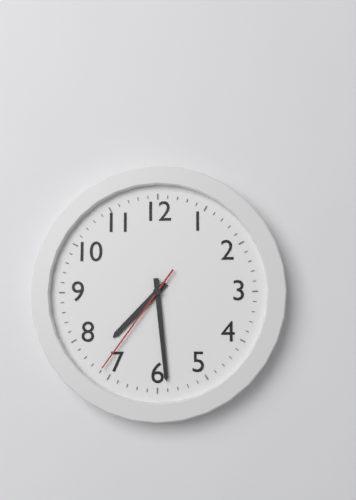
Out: 7:29:36
